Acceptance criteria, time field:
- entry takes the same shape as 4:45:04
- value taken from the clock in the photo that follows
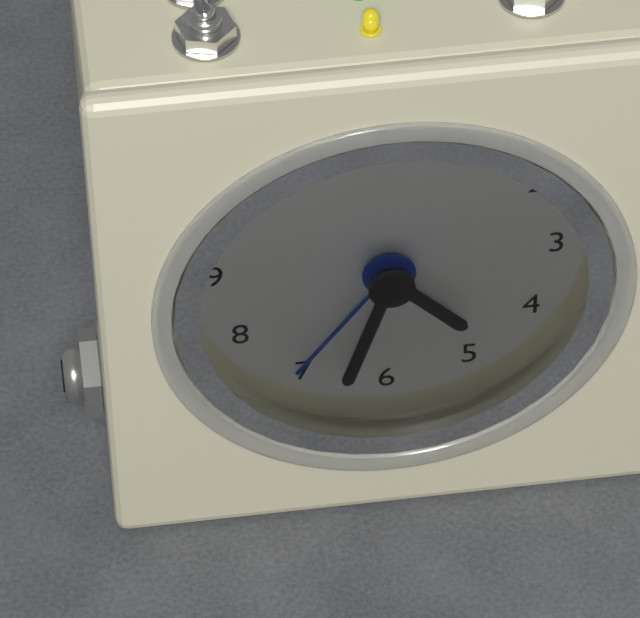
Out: 4:33:36
